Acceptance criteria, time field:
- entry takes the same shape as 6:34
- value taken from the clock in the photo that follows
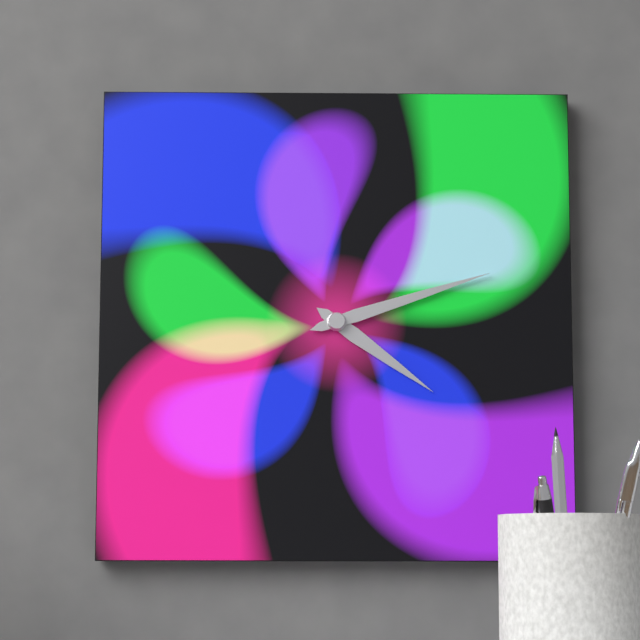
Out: 4:12
